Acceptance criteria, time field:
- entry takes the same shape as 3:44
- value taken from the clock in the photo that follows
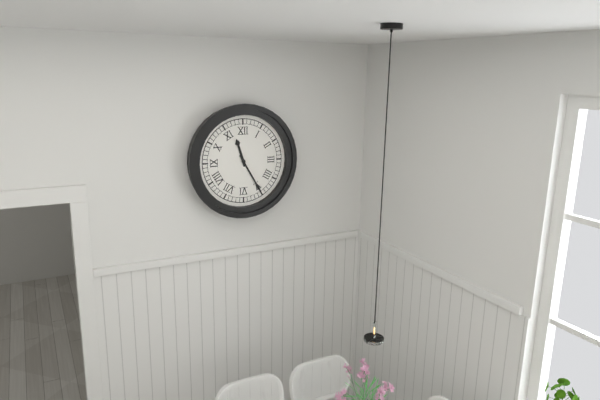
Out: 11:25
